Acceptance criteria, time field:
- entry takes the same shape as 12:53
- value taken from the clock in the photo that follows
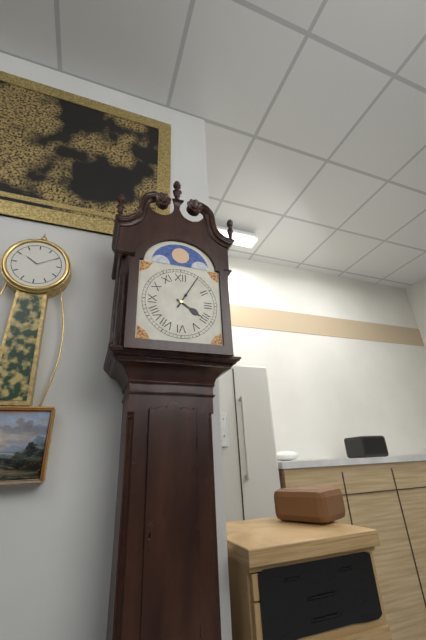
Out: 4:05
